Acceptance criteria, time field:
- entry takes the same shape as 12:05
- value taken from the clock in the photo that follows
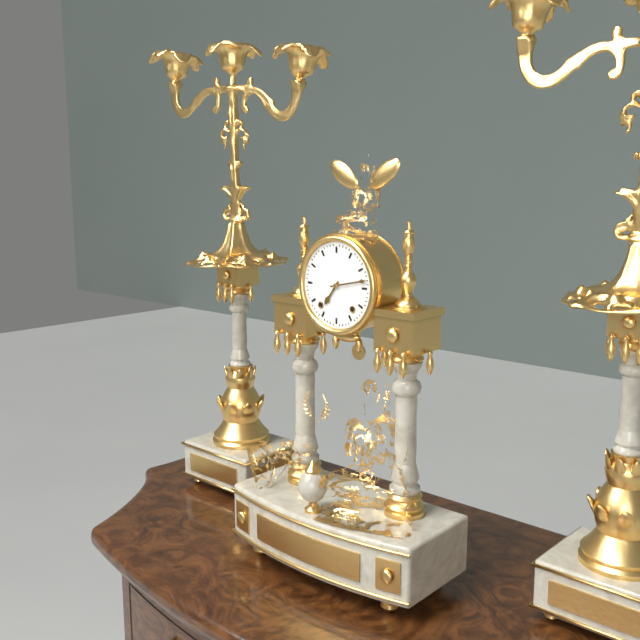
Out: 7:13
